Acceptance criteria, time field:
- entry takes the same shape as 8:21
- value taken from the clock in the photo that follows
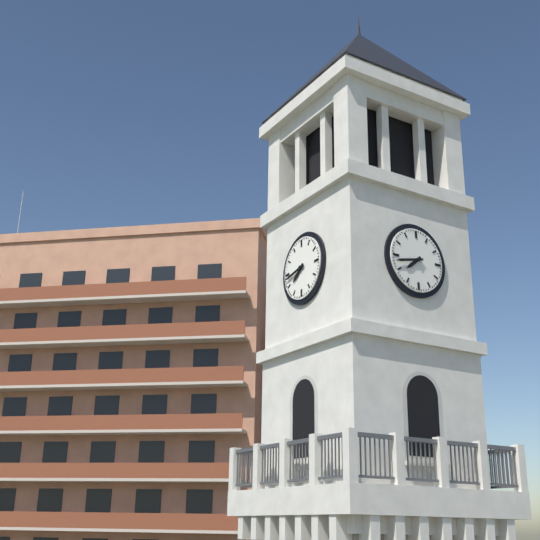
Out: 7:43
